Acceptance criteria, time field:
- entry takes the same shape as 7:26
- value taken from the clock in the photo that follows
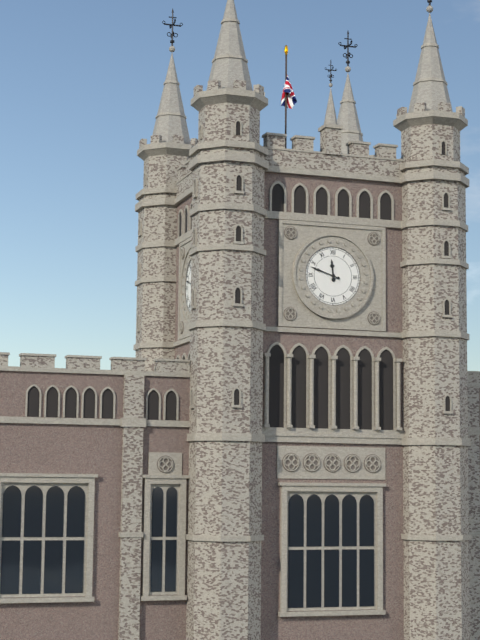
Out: 11:48
